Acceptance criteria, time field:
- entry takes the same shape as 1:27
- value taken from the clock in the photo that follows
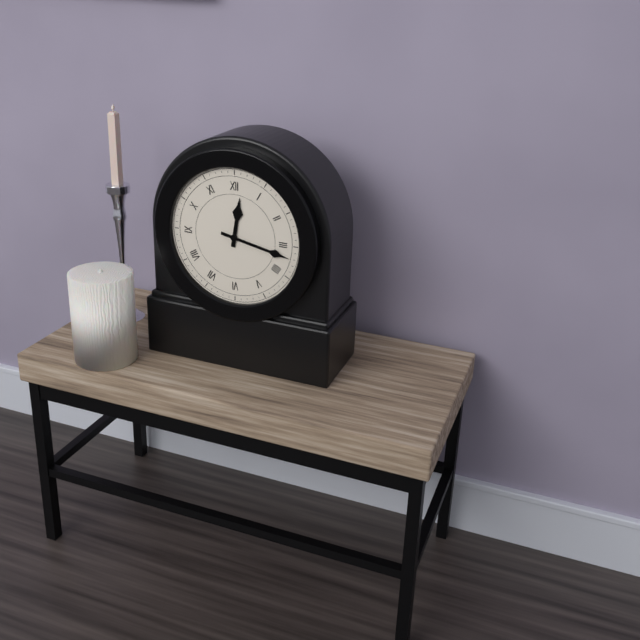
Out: 12:17
